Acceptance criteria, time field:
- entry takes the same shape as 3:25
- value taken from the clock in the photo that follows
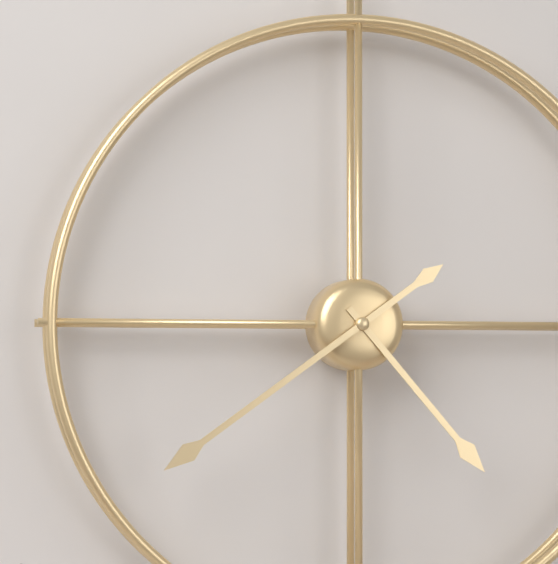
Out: 4:39
